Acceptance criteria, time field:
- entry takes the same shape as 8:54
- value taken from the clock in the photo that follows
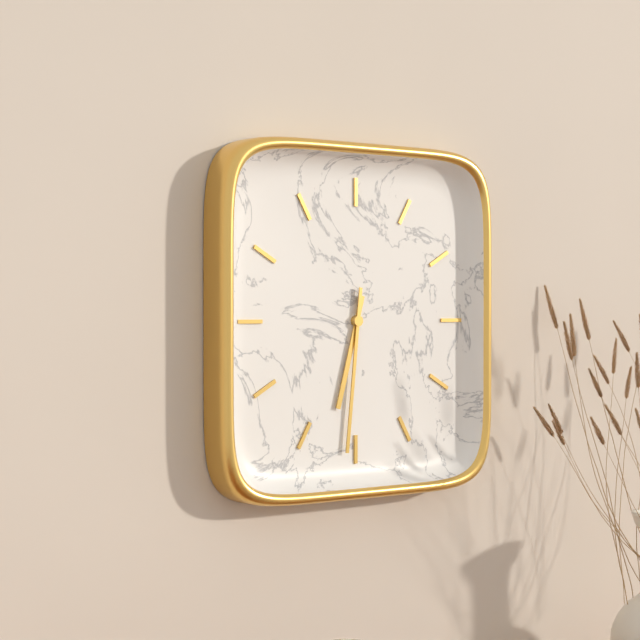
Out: 6:31
